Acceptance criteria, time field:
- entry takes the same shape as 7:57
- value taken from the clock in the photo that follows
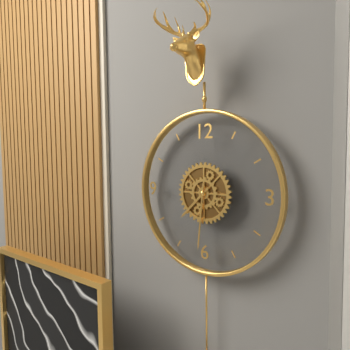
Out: 7:31
